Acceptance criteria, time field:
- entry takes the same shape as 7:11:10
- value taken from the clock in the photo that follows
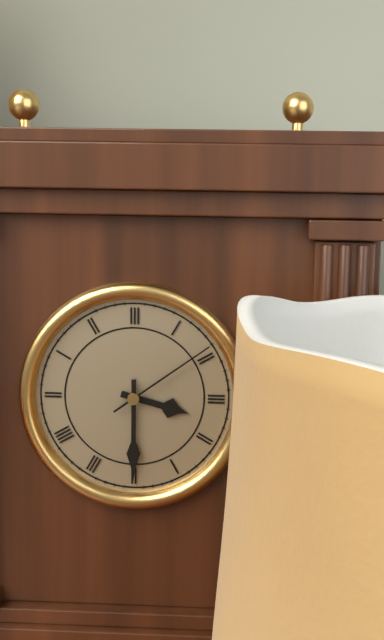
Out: 3:30:09
